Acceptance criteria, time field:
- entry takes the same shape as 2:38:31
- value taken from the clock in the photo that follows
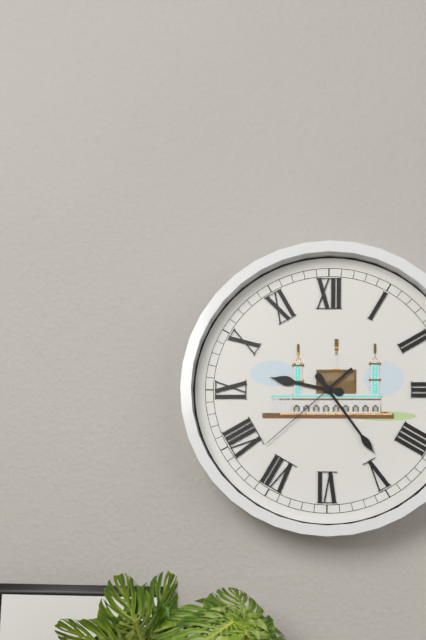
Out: 9:24:38
